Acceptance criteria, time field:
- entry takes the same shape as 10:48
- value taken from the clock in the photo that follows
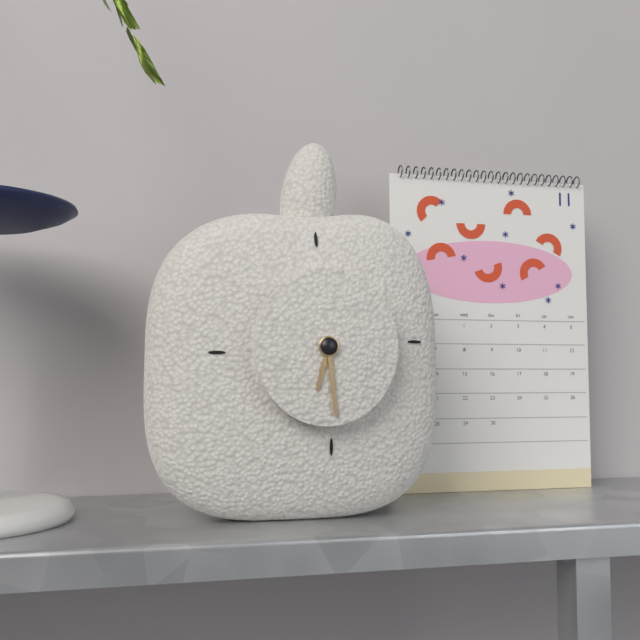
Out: 6:29
